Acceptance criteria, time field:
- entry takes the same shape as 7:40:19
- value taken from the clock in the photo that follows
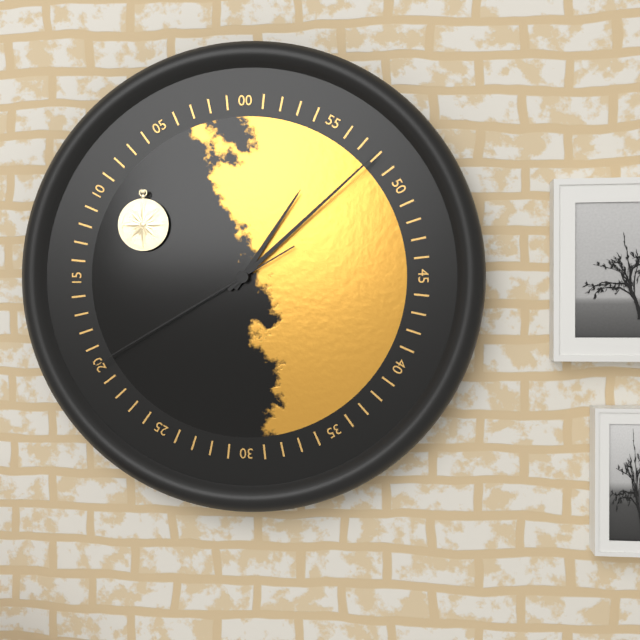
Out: 1:08:40
